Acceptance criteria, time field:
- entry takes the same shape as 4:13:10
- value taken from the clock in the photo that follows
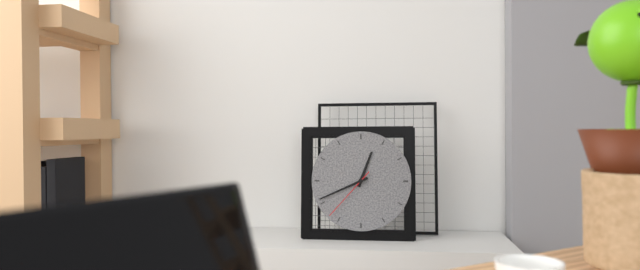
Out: 12:41:37
